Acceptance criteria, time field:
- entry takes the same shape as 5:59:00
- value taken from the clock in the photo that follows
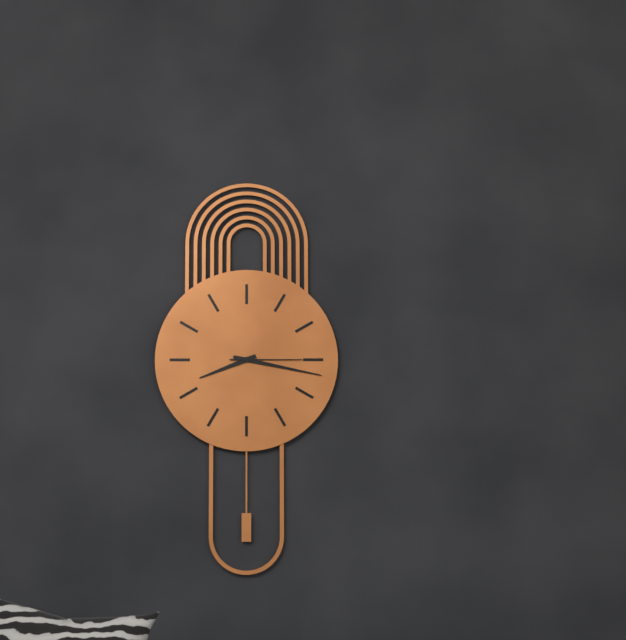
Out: 8:17:15
